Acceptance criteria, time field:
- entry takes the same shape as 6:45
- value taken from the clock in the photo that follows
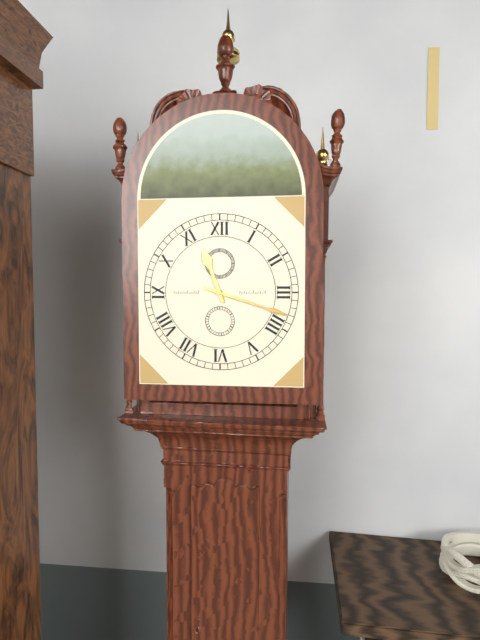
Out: 11:18
